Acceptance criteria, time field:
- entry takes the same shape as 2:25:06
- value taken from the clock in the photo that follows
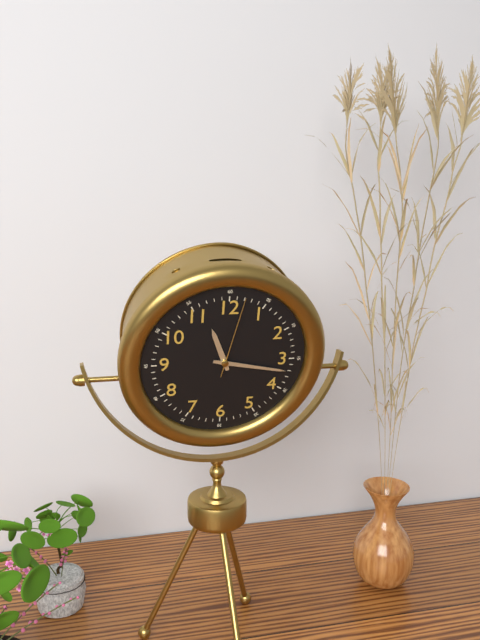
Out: 11:17:02
